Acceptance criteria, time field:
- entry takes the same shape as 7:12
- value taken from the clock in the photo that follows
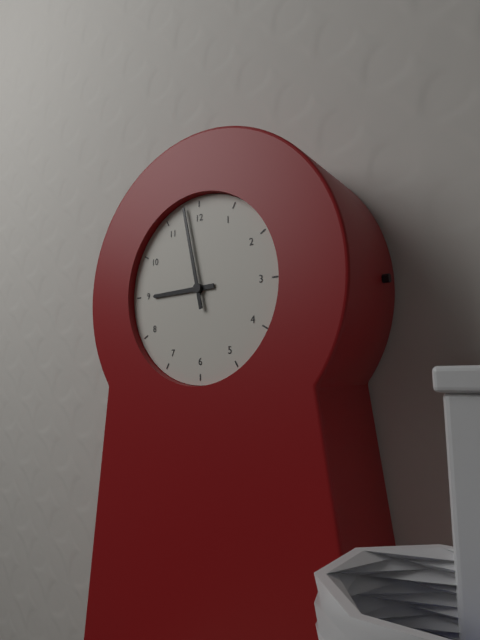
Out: 8:58
